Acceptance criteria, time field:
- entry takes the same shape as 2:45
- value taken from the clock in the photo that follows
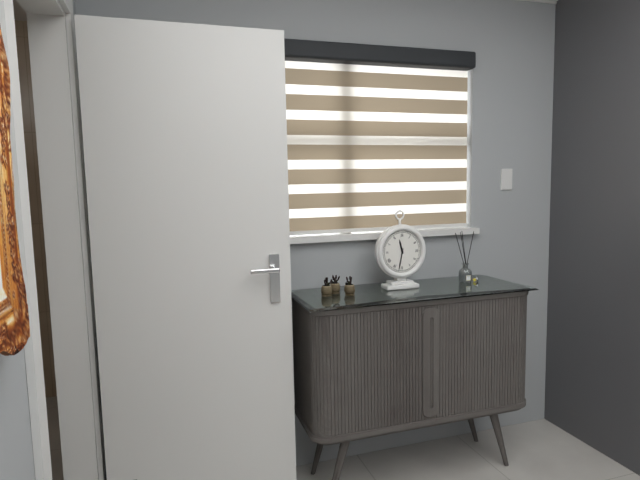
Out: 11:32
